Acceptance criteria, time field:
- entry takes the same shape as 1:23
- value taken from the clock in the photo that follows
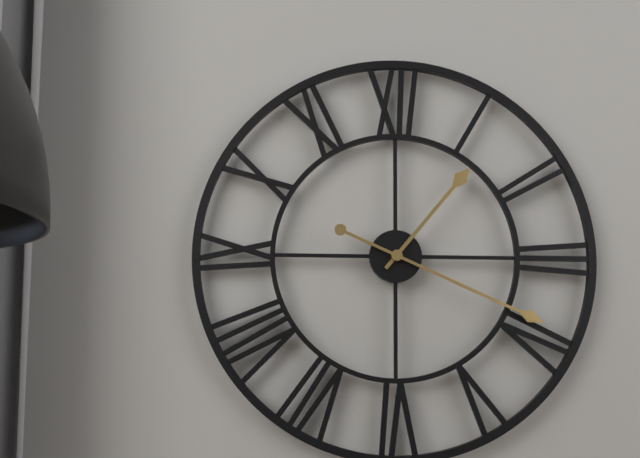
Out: 1:19
